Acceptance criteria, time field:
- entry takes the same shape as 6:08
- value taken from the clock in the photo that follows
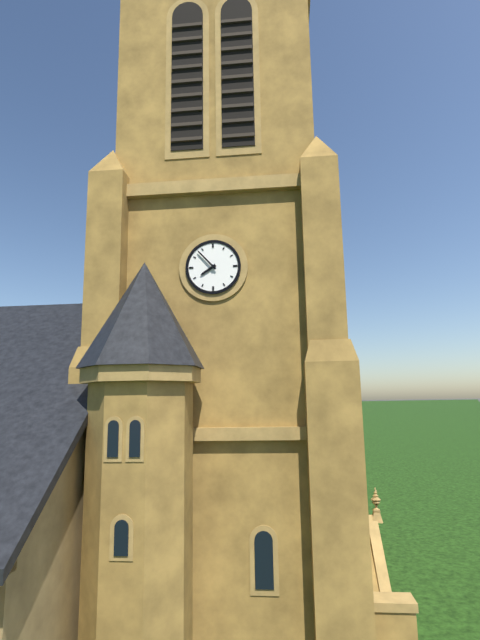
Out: 7:53
